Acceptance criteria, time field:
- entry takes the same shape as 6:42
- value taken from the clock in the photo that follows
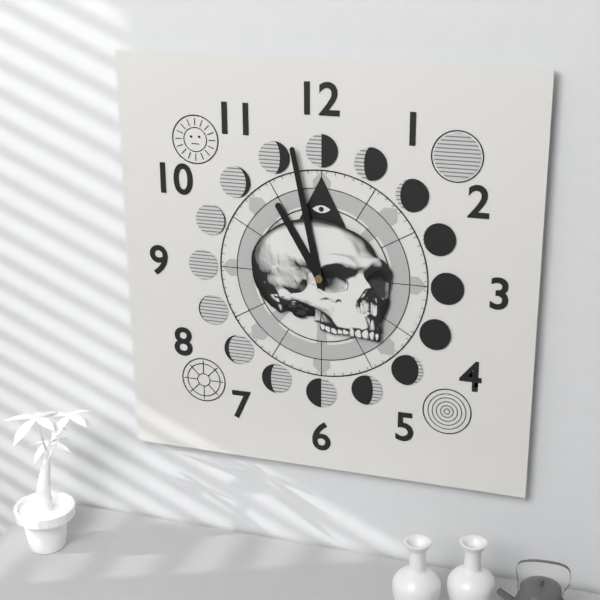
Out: 10:58
